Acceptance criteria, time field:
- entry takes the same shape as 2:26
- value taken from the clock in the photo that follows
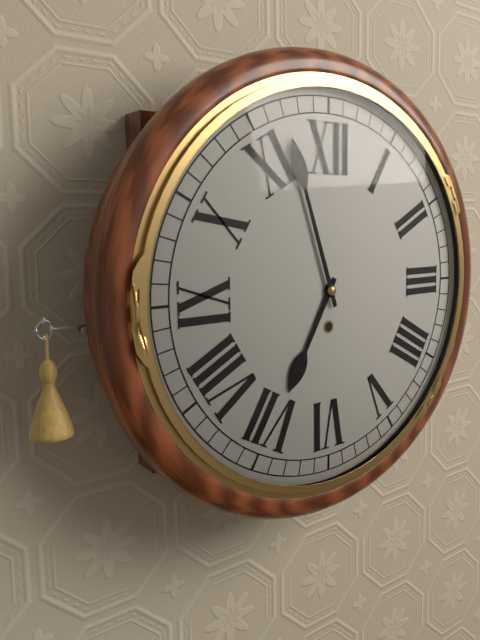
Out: 6:57
